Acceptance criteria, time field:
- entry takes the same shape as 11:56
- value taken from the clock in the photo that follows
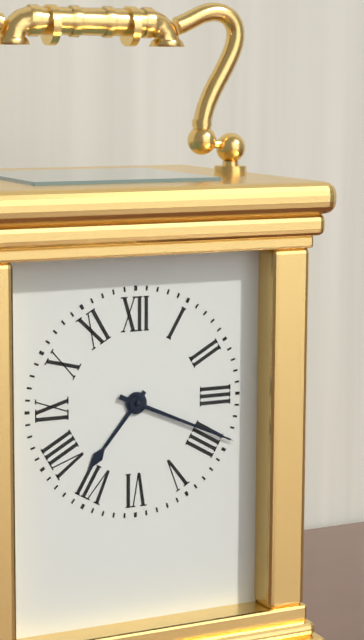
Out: 7:19
